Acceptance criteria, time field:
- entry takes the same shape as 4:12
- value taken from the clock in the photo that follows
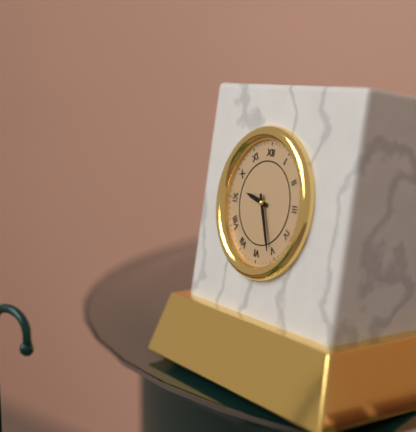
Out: 9:26
